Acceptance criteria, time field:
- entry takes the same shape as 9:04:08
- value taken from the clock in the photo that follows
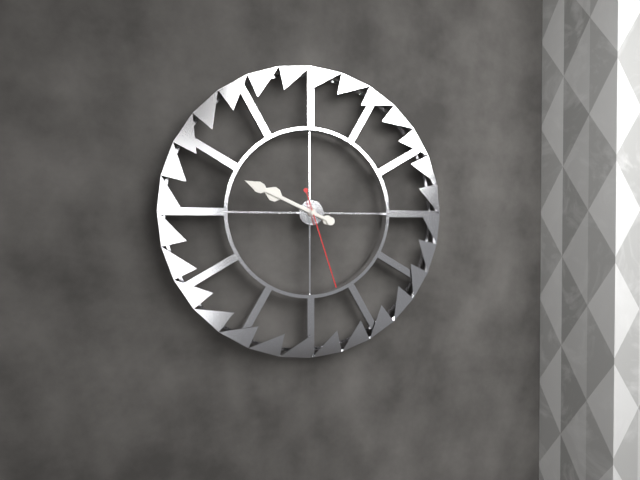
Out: 9:49:27
